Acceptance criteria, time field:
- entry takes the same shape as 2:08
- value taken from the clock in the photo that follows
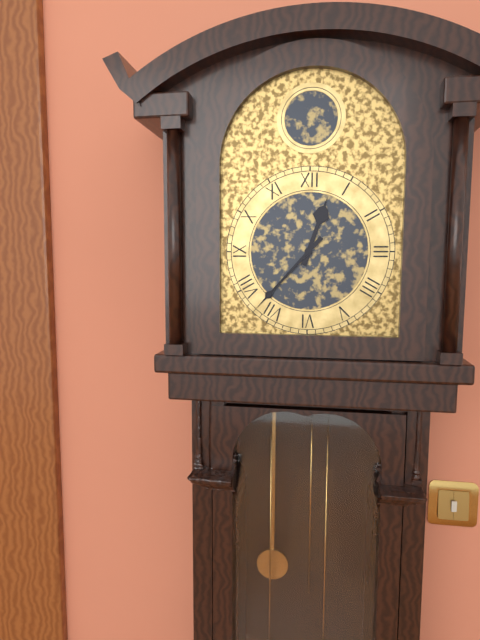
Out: 12:37
